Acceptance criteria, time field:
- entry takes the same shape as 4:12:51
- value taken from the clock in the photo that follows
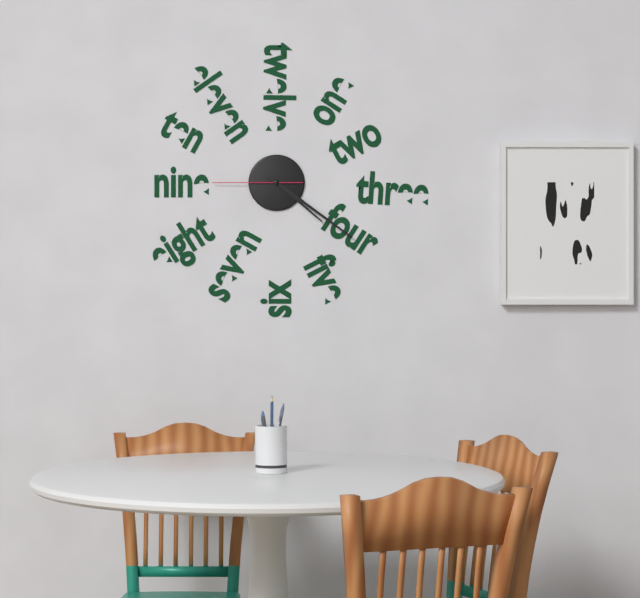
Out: 4:21:45
